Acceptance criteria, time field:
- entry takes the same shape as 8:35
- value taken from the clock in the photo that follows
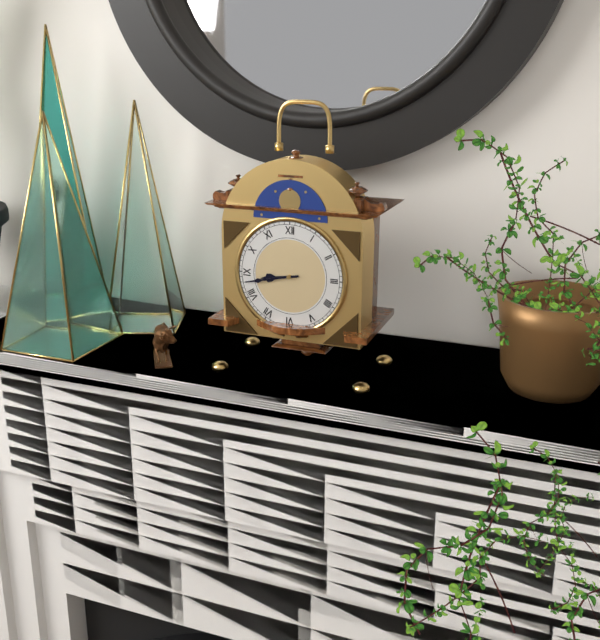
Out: 8:43
